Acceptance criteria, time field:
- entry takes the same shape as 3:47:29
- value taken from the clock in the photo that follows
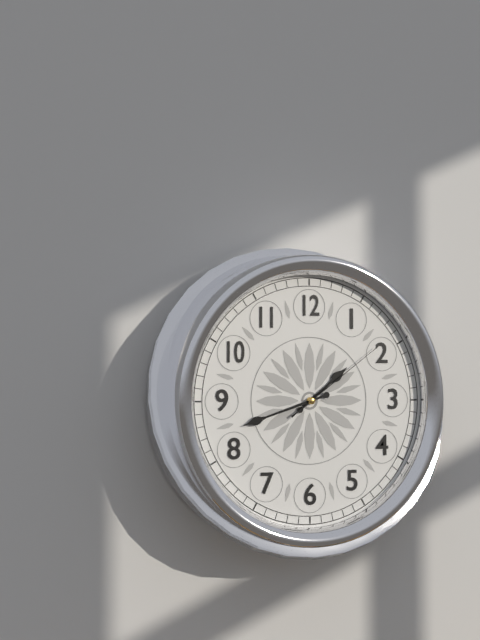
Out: 1:42:09
